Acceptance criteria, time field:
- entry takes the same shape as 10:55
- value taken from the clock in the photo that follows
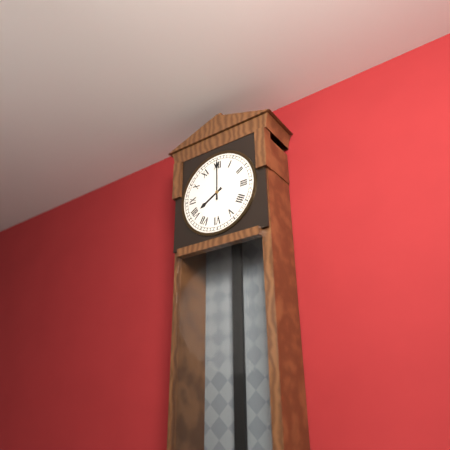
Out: 8:00
